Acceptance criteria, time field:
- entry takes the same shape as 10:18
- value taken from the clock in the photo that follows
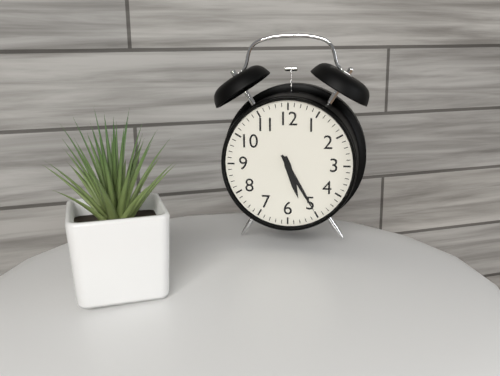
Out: 5:25
